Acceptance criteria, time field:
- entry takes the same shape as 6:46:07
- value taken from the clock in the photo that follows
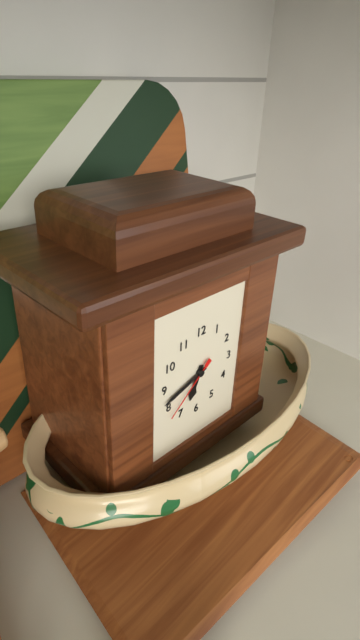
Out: 6:42:38
